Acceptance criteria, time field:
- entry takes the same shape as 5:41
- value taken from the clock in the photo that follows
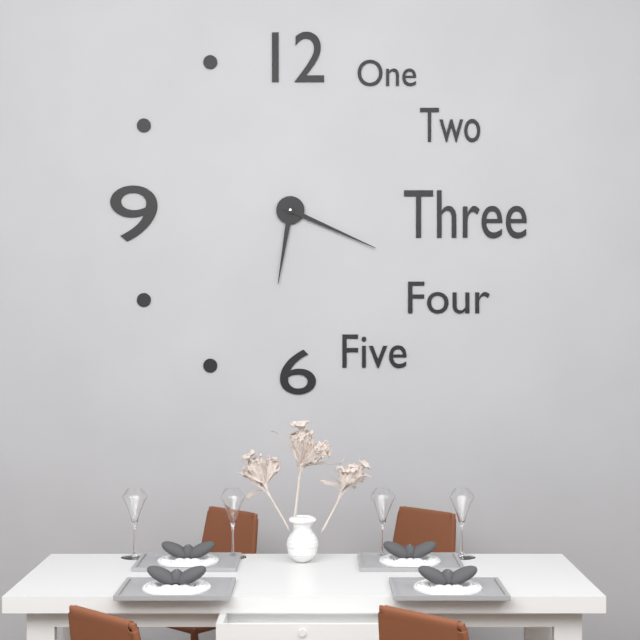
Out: 6:19
